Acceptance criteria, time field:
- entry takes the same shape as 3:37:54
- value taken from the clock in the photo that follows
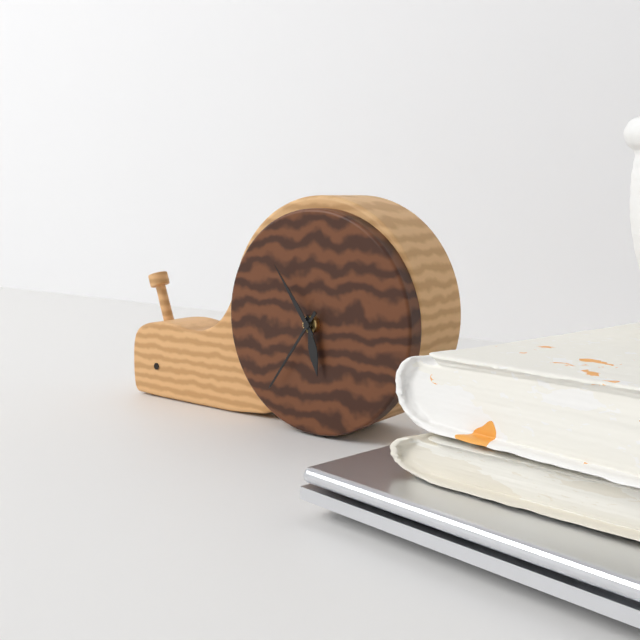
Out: 5:36:54
